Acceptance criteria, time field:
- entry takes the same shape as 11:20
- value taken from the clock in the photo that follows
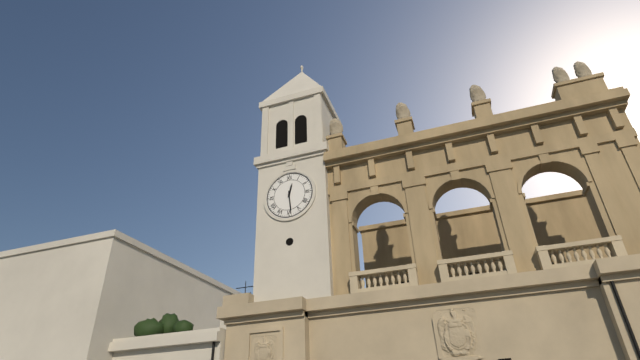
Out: 12:29
